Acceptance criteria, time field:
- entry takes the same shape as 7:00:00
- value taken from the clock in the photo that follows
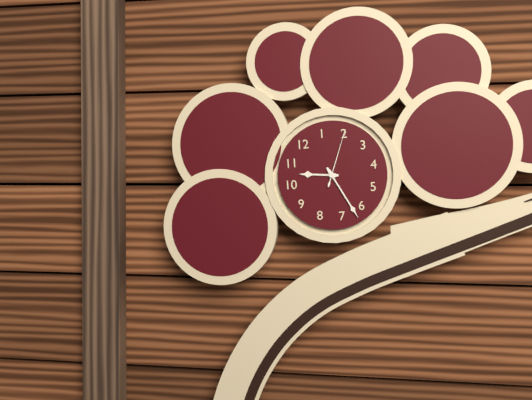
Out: 10:32:10
